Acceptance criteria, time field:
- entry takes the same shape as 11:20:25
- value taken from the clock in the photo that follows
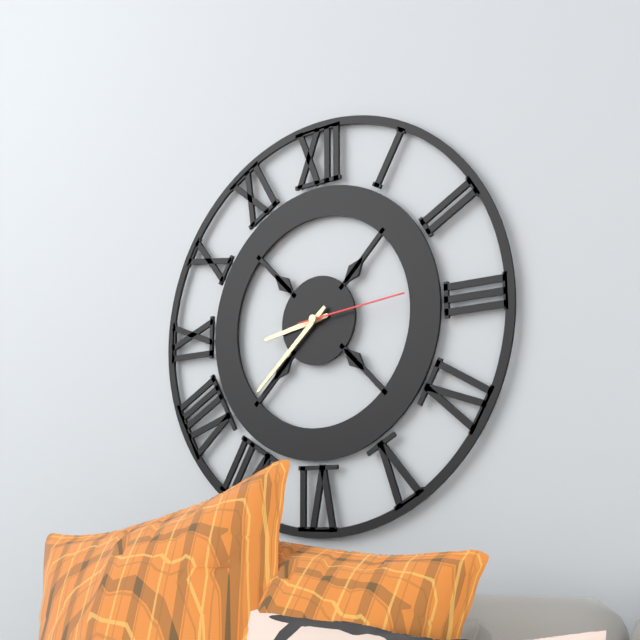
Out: 8:38:14
